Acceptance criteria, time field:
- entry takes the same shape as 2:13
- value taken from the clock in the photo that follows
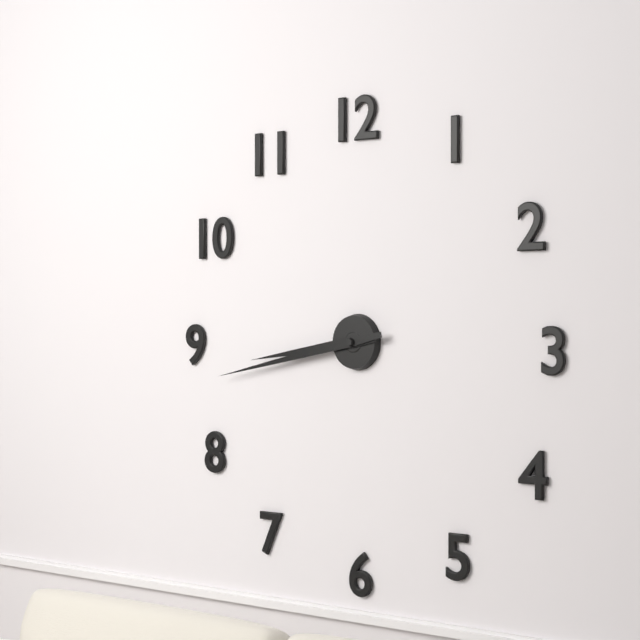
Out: 8:43
